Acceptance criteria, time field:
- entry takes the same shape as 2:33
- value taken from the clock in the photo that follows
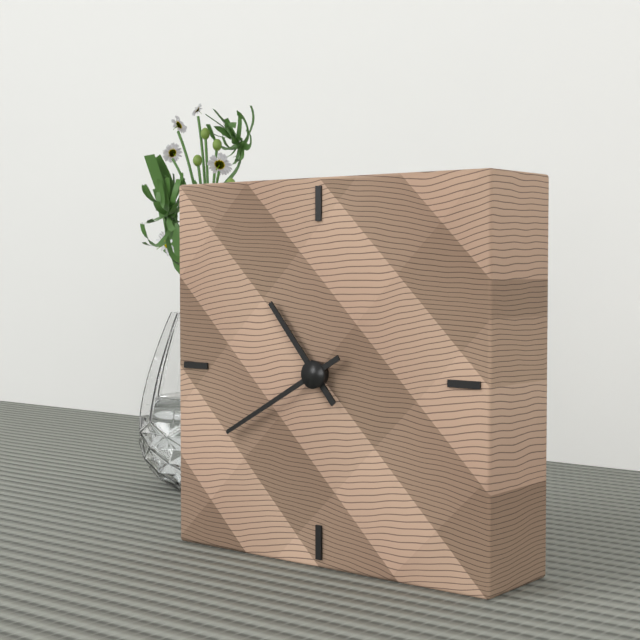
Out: 10:40
